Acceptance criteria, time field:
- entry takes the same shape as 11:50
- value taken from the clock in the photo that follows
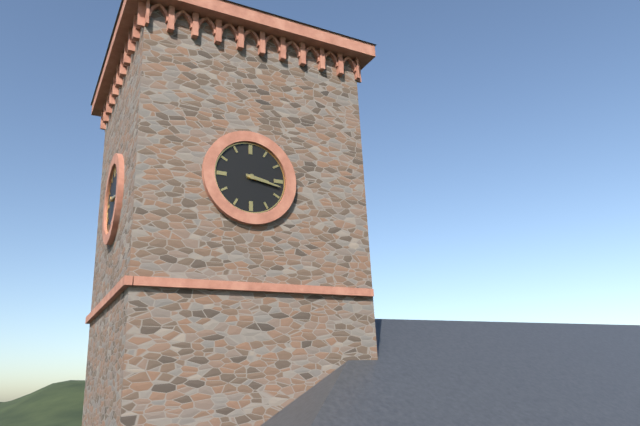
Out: 3:17
